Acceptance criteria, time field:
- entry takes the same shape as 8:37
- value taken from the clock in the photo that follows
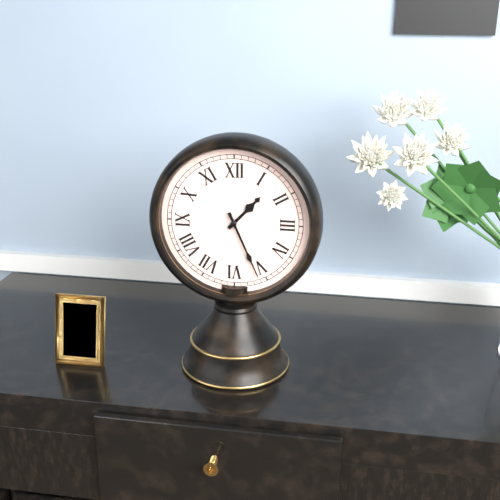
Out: 1:26
